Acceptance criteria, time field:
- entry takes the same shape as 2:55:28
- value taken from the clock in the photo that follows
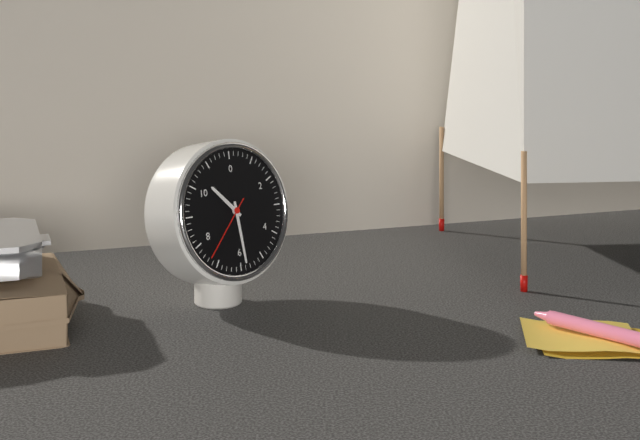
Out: 10:29:37
